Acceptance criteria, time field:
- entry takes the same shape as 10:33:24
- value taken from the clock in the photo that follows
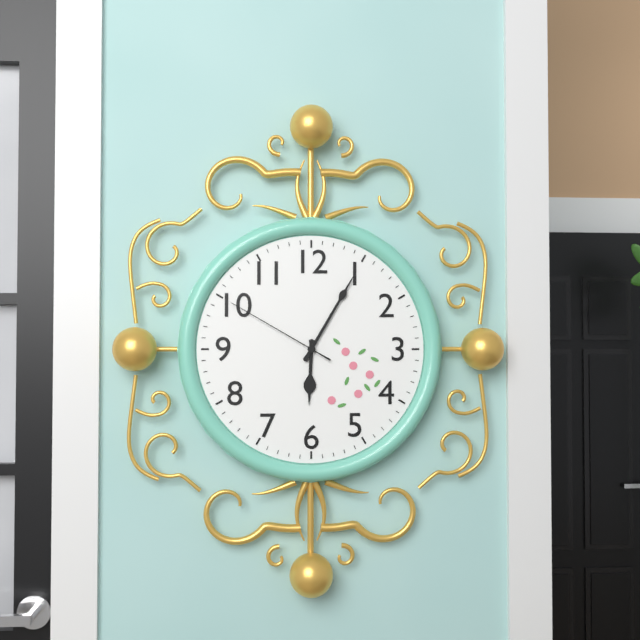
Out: 6:05:50
